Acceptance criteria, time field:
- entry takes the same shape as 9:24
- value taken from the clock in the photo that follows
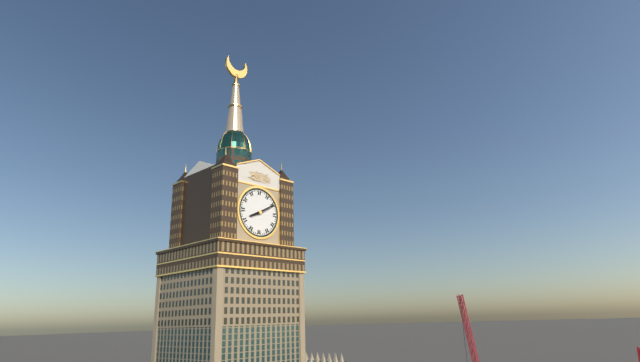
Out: 8:10
